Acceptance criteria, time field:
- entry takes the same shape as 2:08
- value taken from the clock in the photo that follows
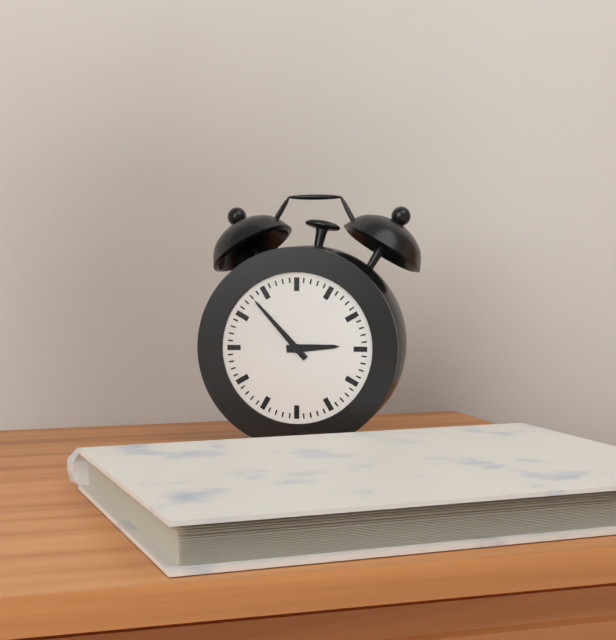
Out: 2:53
